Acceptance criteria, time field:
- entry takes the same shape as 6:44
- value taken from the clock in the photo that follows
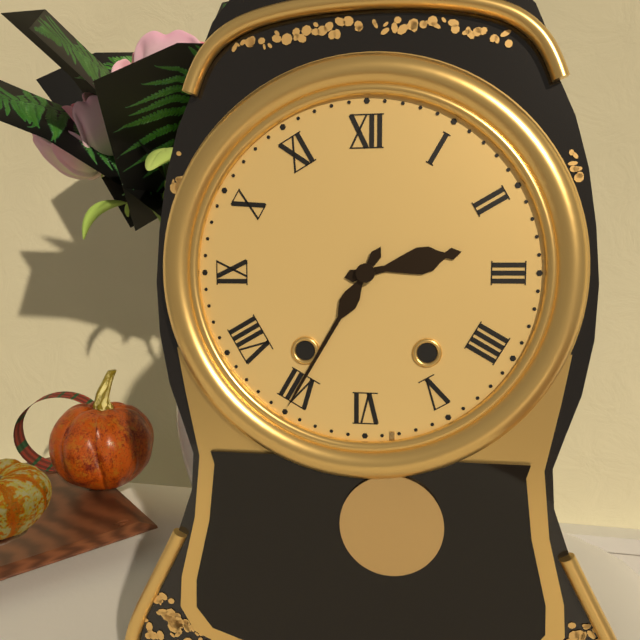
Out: 2:35
